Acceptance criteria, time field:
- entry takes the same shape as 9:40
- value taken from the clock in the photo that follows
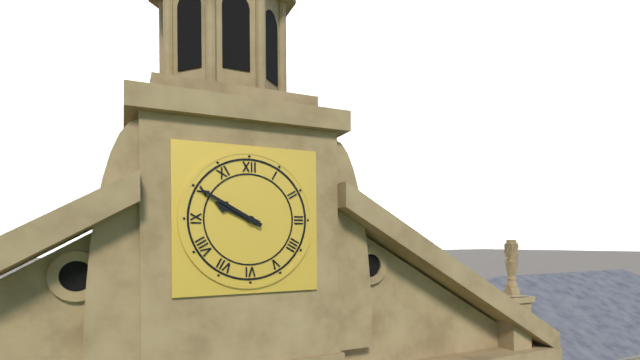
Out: 9:50
